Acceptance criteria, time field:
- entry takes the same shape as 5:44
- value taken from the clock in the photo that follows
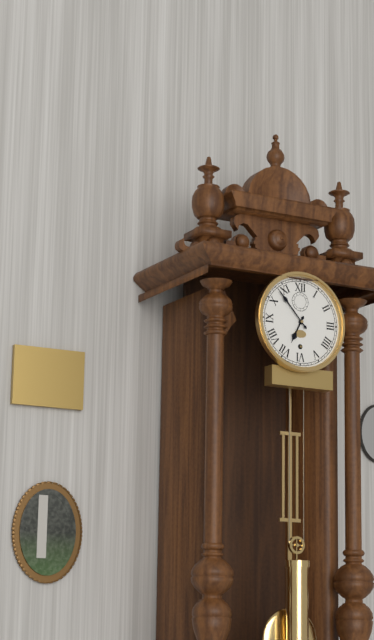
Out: 6:53
